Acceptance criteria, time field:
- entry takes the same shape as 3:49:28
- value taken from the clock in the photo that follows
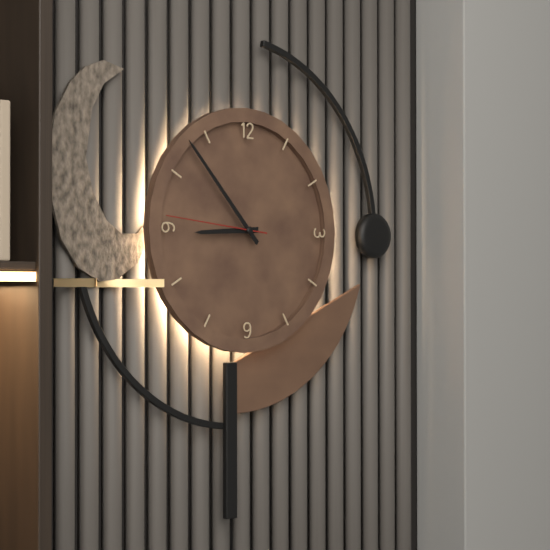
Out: 8:53:46
